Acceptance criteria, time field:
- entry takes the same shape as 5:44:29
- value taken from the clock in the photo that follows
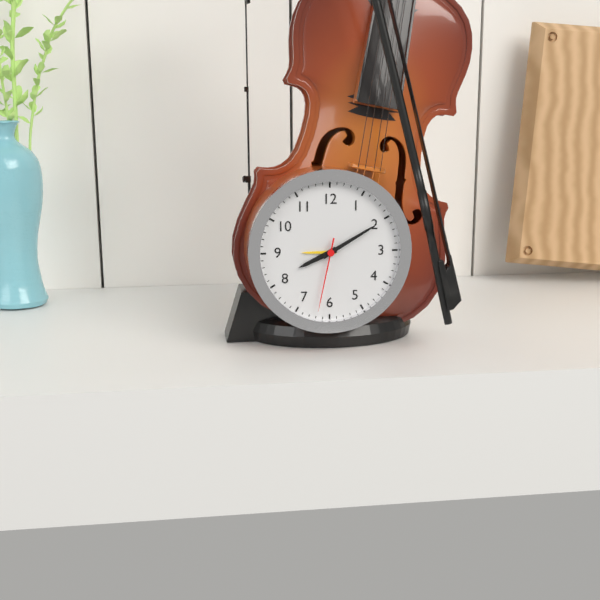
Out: 8:10:32
